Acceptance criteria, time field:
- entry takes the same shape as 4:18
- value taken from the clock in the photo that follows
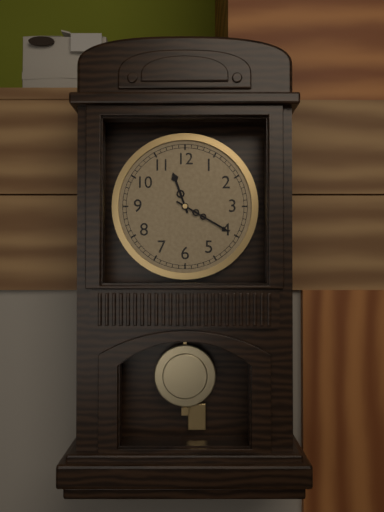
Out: 11:20
